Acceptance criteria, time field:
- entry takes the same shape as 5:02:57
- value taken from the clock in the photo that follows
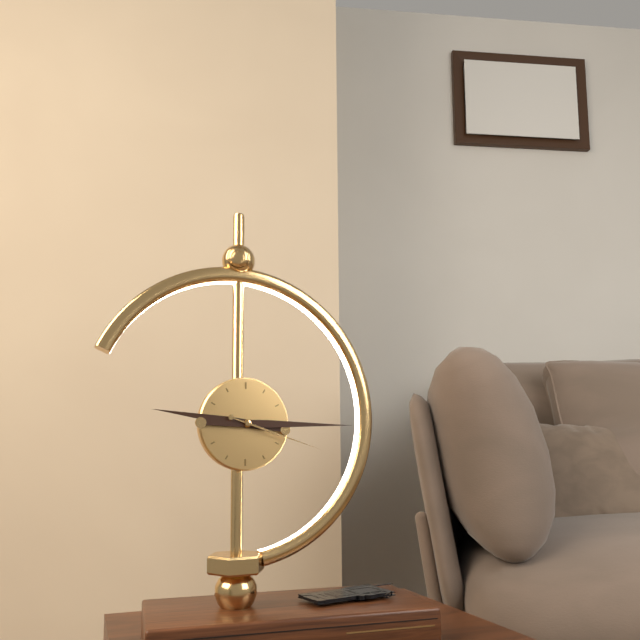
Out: 9:15:18
